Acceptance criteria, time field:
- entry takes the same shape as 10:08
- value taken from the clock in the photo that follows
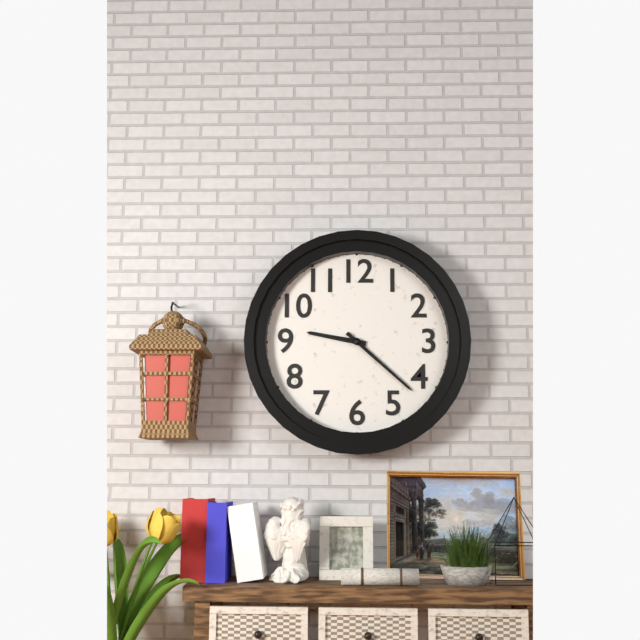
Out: 9:22
